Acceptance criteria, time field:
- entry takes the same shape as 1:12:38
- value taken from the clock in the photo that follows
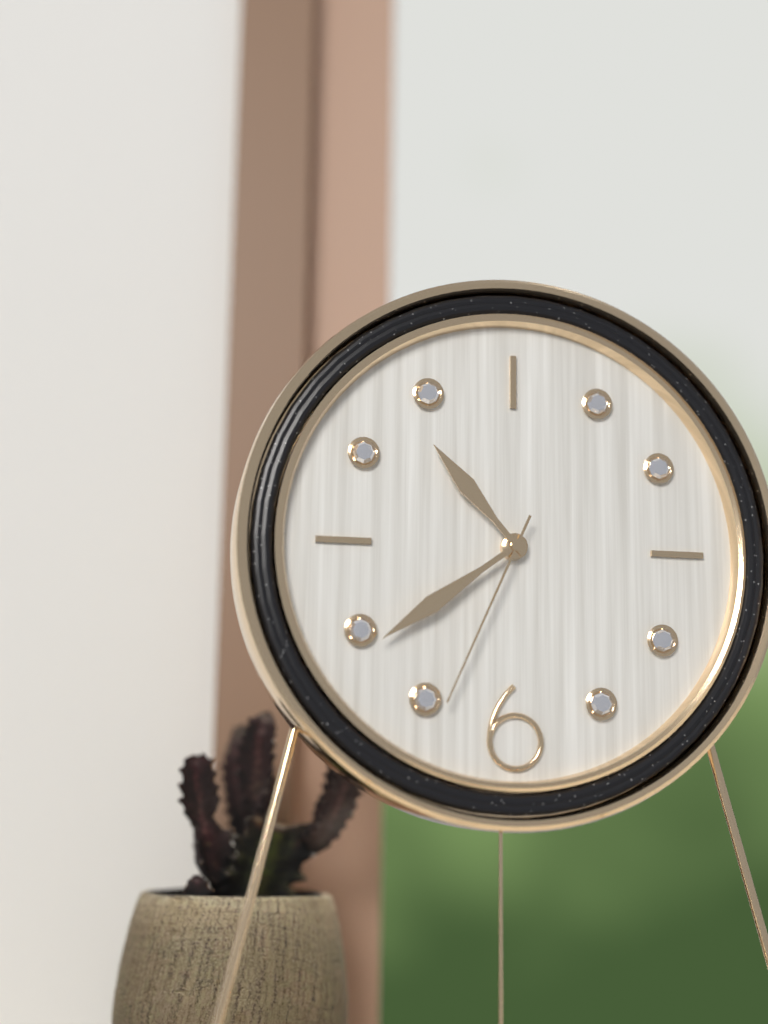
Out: 10:39:34
